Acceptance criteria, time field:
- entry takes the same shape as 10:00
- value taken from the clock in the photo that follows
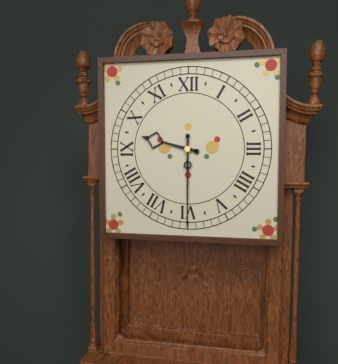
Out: 9:30
